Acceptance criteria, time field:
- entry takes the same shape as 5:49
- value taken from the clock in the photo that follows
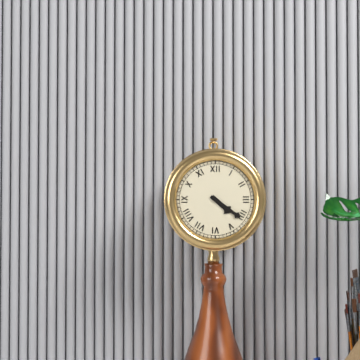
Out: 4:21
